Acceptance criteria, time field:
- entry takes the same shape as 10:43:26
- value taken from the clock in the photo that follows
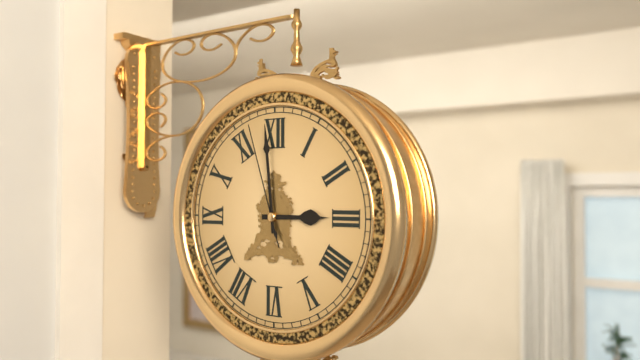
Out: 2:59:57
